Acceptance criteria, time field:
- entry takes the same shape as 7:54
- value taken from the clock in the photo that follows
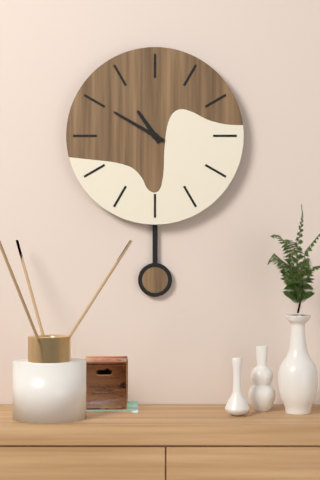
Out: 10:50
